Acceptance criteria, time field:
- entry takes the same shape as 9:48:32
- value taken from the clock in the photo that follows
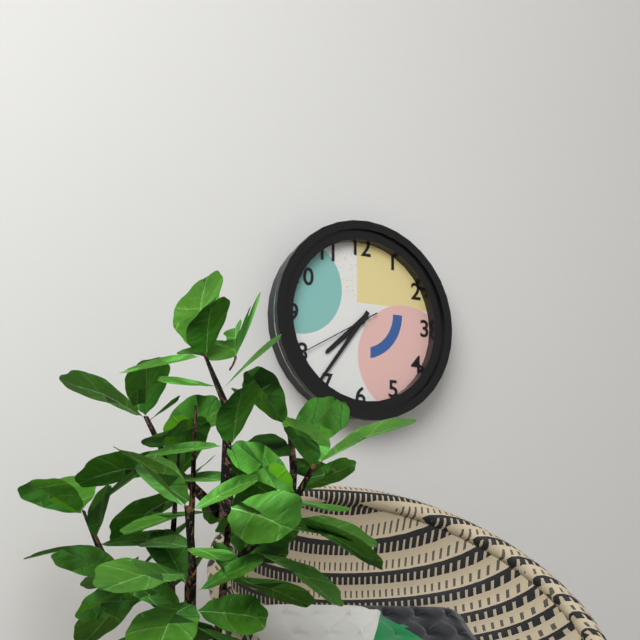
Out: 7:36:40
